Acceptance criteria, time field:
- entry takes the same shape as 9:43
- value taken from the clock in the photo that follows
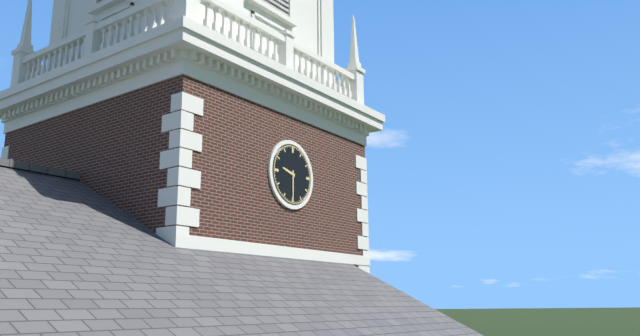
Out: 9:30
